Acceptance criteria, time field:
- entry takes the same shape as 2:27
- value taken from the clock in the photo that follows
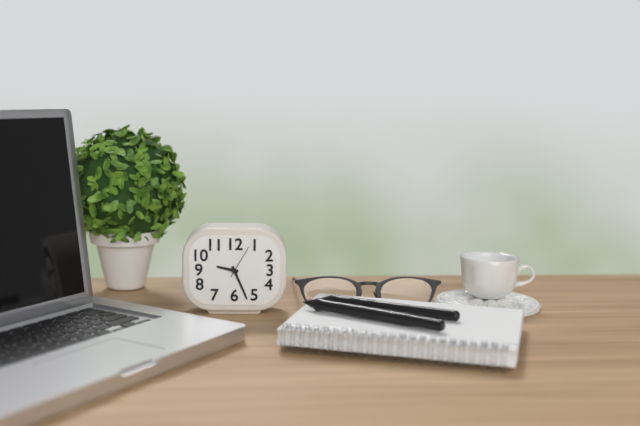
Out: 9:26
